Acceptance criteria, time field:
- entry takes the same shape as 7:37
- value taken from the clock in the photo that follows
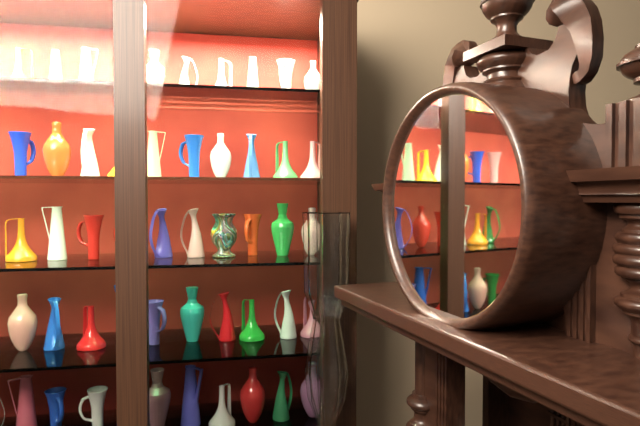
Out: 10:18
